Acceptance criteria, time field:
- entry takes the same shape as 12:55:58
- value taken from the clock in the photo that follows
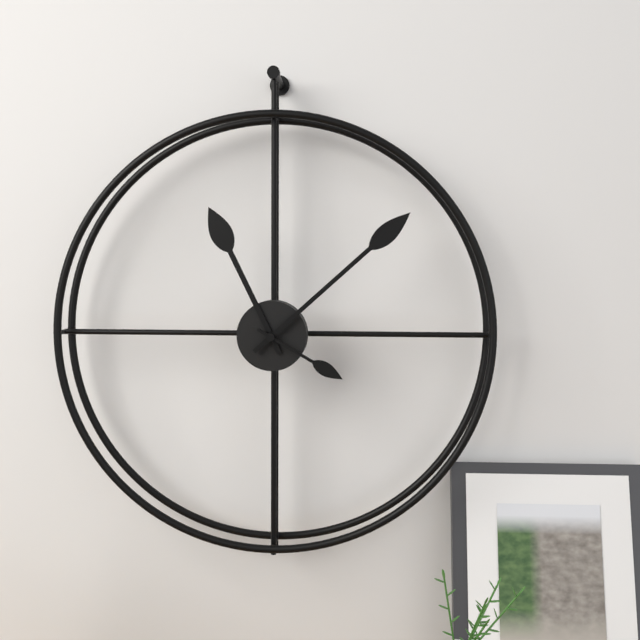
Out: 11:08:20
